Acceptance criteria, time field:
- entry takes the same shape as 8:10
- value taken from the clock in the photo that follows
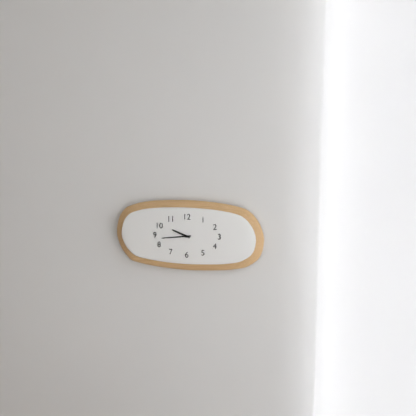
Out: 9:44
